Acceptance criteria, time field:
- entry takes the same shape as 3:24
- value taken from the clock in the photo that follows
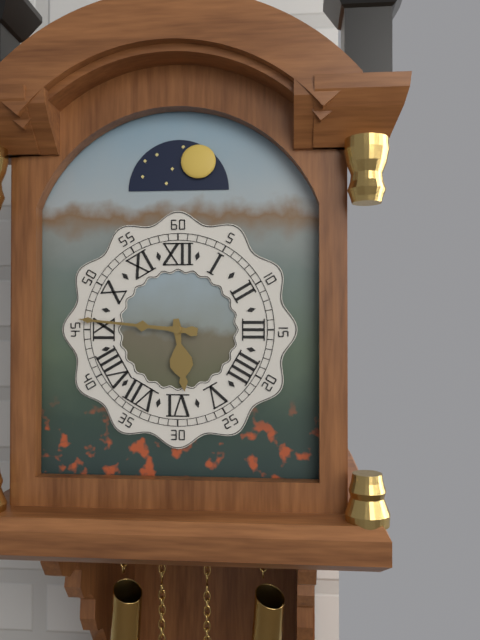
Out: 5:46
